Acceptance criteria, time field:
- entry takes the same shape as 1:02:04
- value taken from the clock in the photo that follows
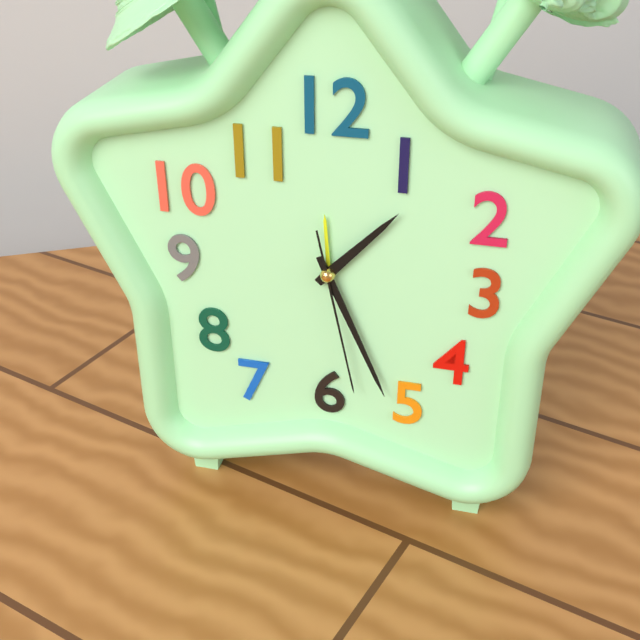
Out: 1:26:28
